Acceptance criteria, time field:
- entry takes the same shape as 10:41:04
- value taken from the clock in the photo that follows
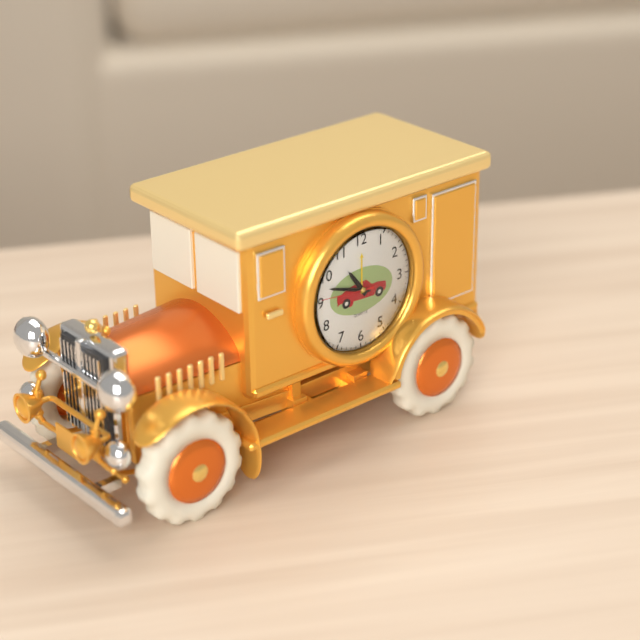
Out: 10:48:46
